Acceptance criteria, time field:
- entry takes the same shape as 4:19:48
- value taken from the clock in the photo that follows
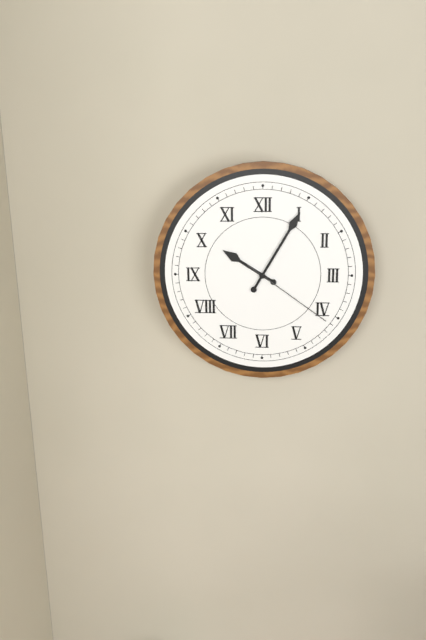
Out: 10:05:21
